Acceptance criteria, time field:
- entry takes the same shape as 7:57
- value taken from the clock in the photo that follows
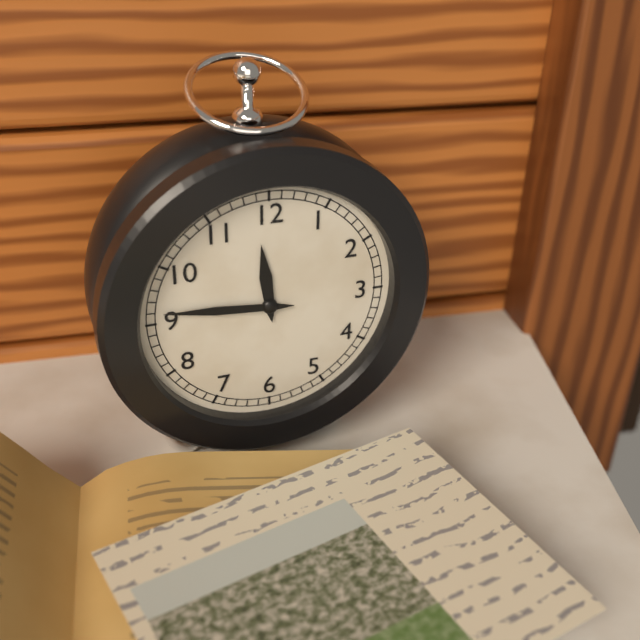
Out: 11:46
